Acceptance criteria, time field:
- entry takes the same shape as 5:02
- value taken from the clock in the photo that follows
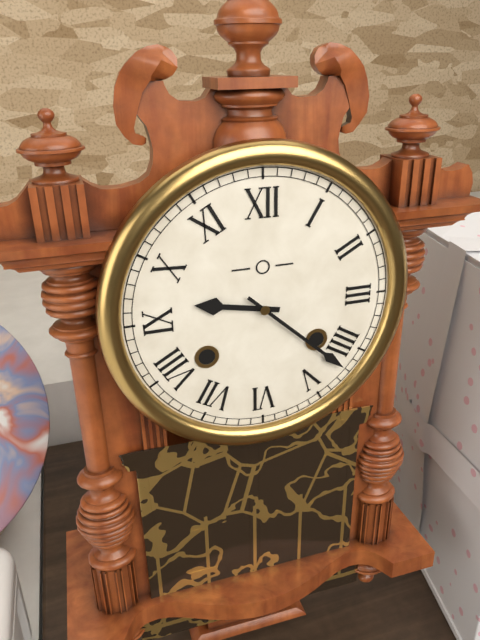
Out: 9:22
